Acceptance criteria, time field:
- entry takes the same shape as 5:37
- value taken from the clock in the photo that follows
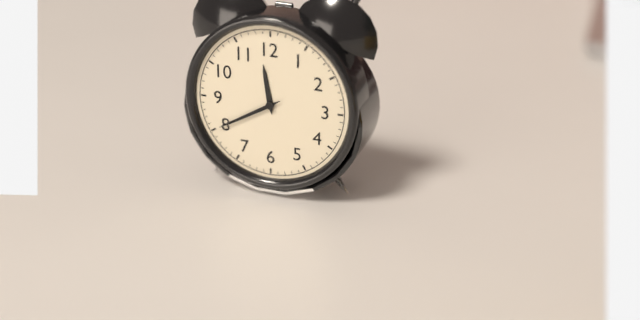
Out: 11:40
